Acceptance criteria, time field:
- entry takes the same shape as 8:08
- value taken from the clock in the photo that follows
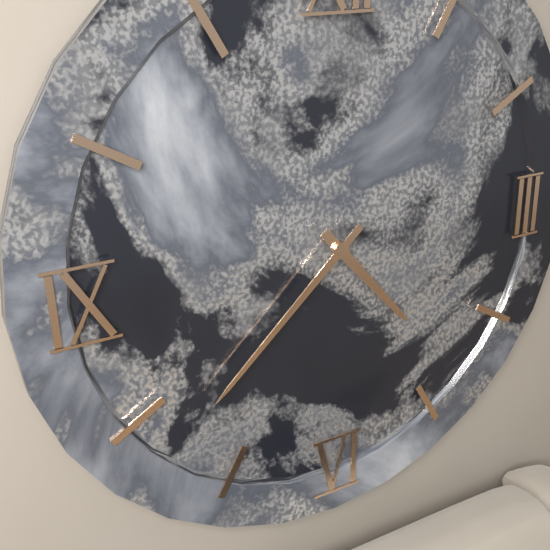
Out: 4:38
